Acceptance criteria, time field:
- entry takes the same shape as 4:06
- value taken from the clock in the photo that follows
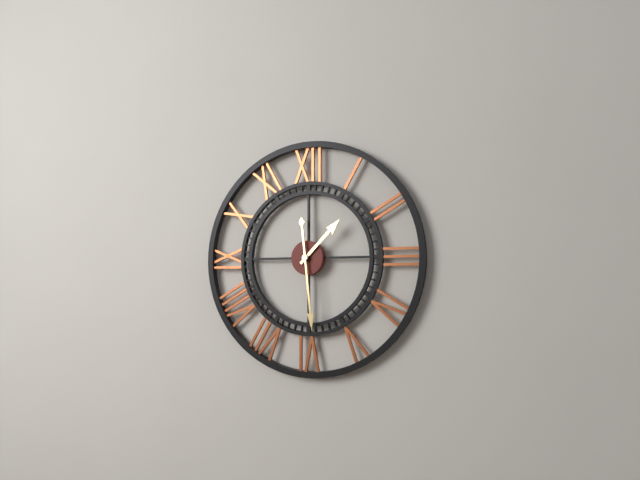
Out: 1:29
